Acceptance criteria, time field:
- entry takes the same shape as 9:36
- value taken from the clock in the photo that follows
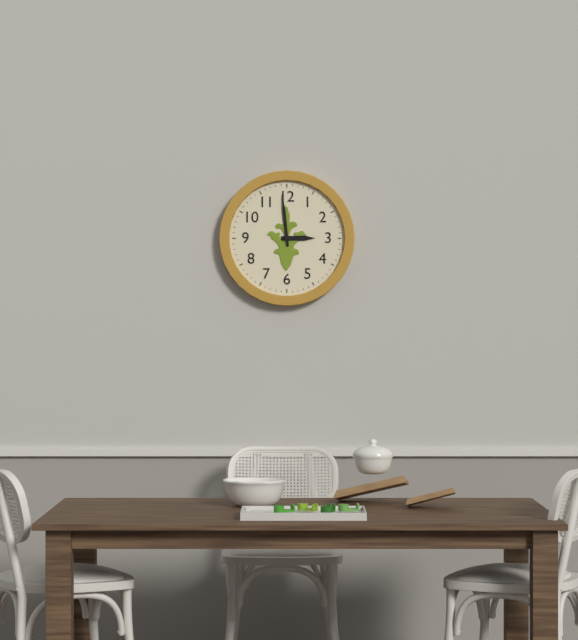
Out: 2:59
